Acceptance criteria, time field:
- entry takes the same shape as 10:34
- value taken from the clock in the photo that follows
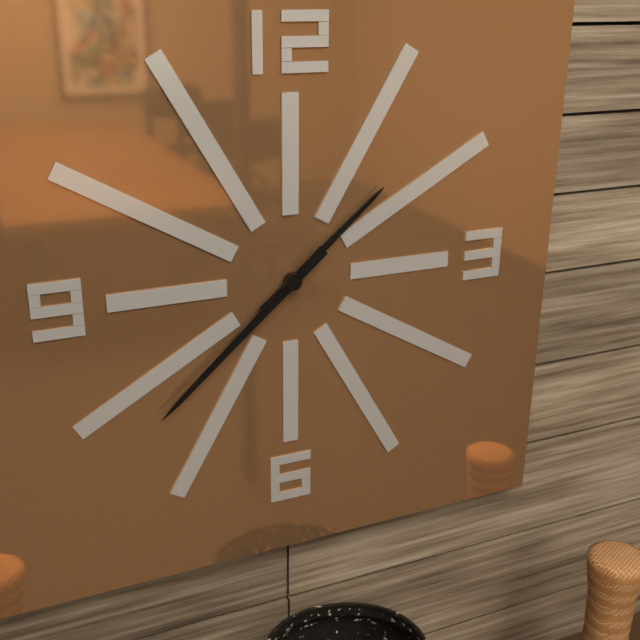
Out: 1:38
